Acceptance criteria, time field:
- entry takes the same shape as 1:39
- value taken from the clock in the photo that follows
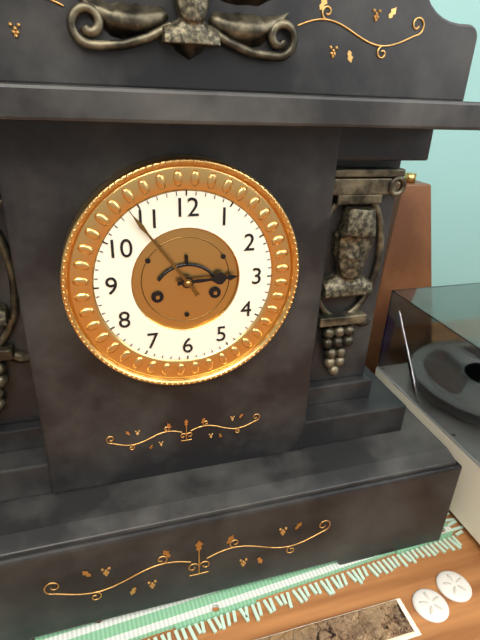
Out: 2:54
